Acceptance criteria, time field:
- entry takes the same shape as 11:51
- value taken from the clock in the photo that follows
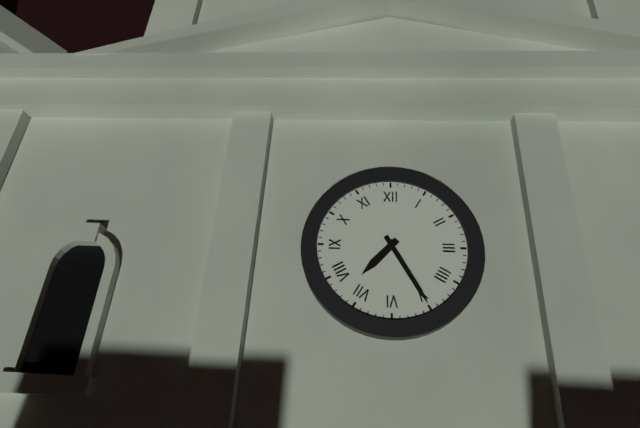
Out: 7:25
